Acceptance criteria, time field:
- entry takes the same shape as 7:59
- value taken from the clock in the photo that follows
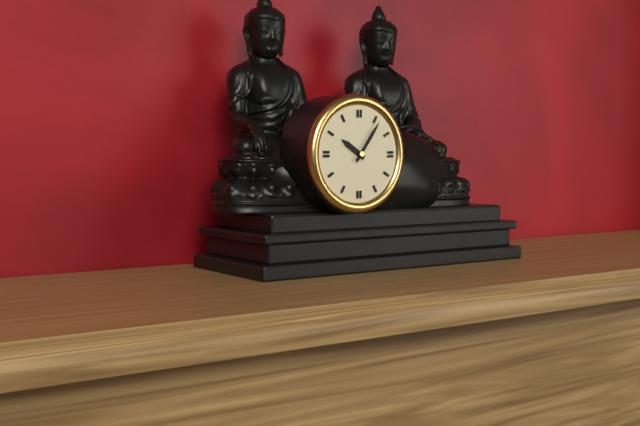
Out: 10:06
